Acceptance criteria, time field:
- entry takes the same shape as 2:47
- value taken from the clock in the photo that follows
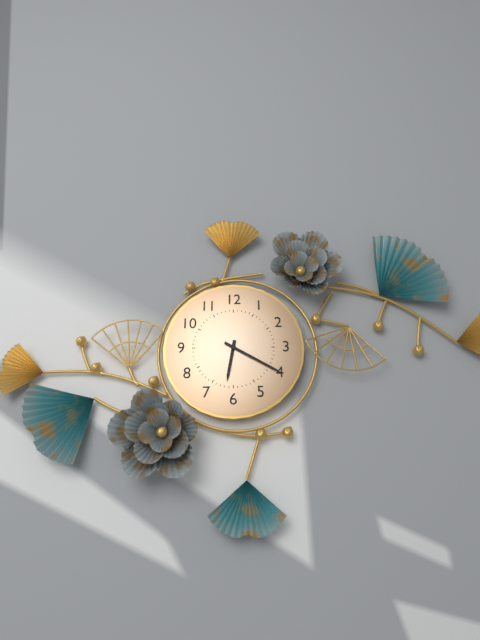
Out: 6:20
